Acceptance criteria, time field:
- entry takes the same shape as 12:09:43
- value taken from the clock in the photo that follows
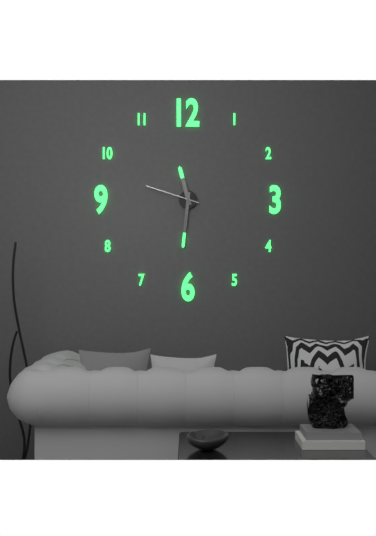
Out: 11:31:48
